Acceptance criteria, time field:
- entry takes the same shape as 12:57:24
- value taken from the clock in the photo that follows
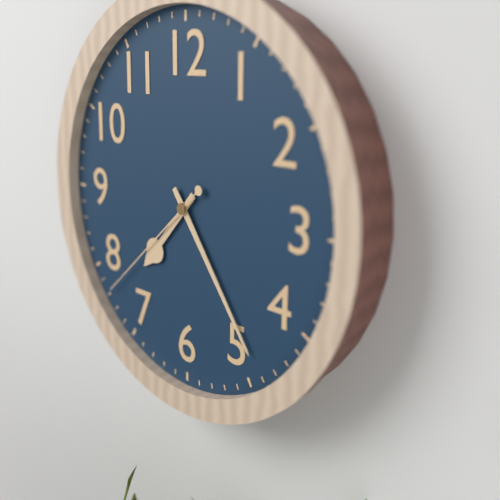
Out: 7:24:38
